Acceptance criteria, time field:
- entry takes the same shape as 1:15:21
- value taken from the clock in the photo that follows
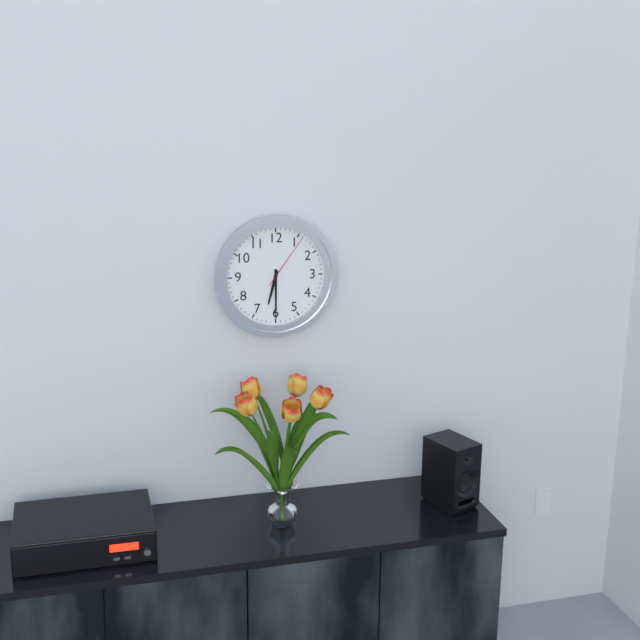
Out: 6:30:06
